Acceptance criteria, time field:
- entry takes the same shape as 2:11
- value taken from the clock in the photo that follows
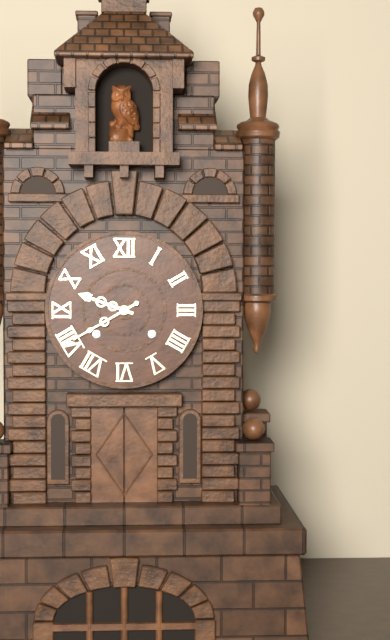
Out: 9:40
